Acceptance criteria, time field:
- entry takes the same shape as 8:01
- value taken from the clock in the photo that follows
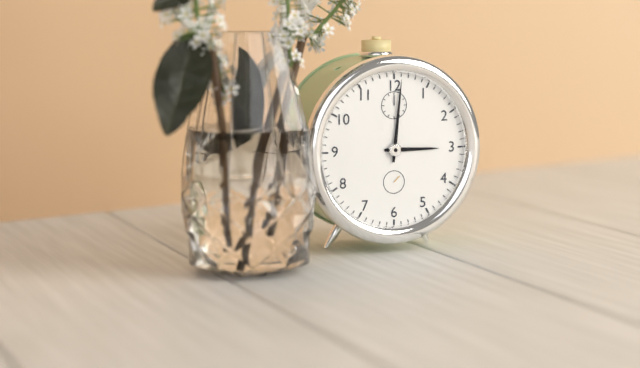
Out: 3:01
